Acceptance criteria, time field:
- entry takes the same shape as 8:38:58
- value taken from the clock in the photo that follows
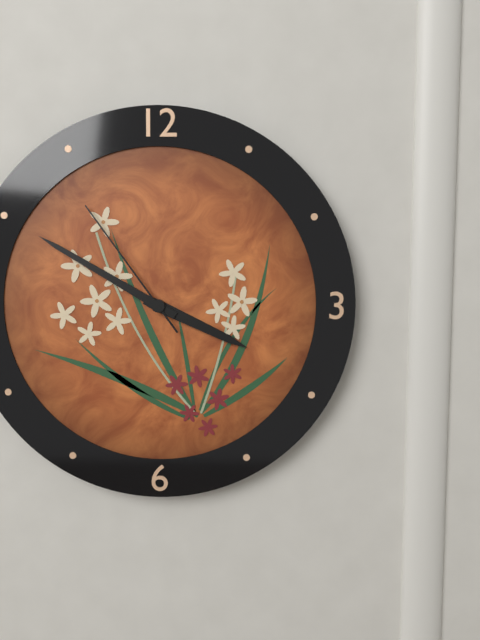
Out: 3:50:54
